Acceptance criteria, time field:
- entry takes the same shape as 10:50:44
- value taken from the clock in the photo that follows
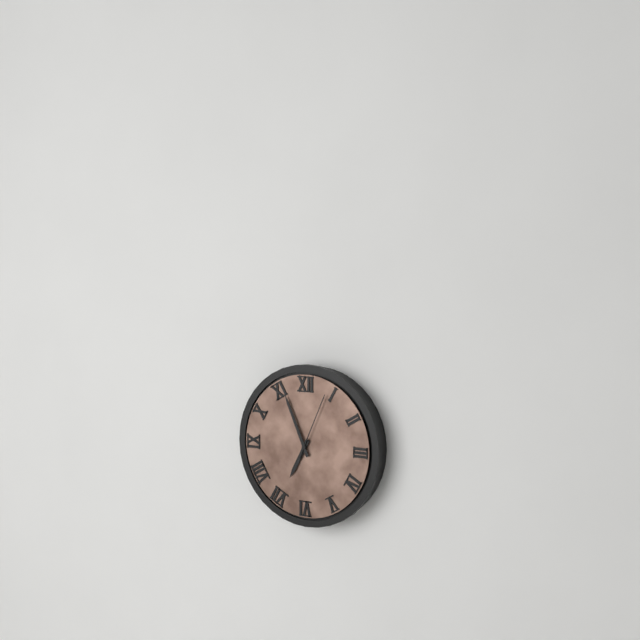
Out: 6:56:04
